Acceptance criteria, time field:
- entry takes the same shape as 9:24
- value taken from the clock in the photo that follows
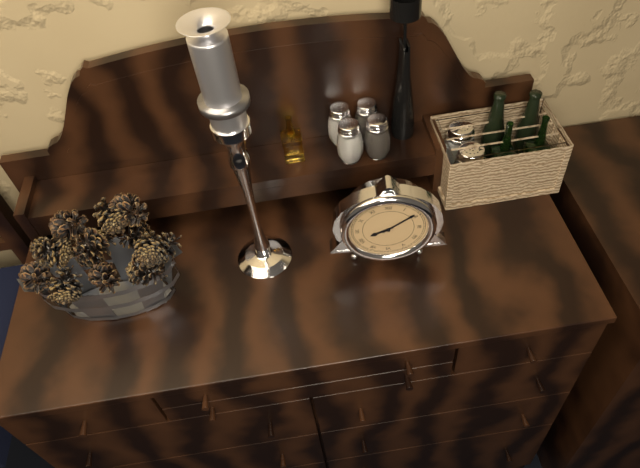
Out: 8:09
